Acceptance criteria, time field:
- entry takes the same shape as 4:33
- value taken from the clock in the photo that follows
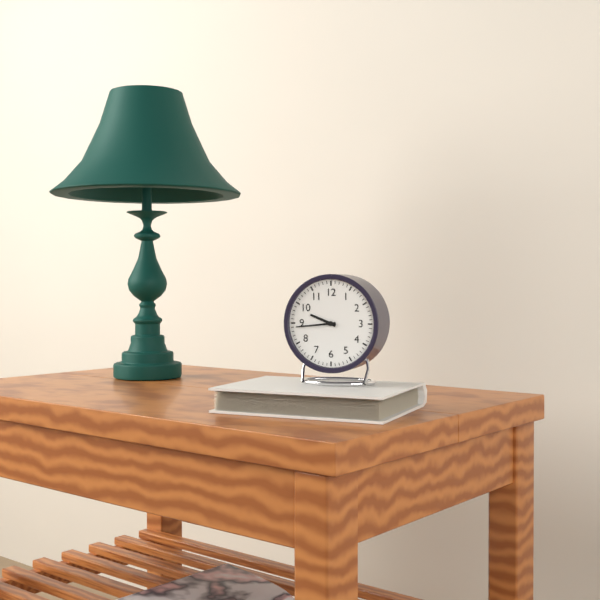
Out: 9:44
